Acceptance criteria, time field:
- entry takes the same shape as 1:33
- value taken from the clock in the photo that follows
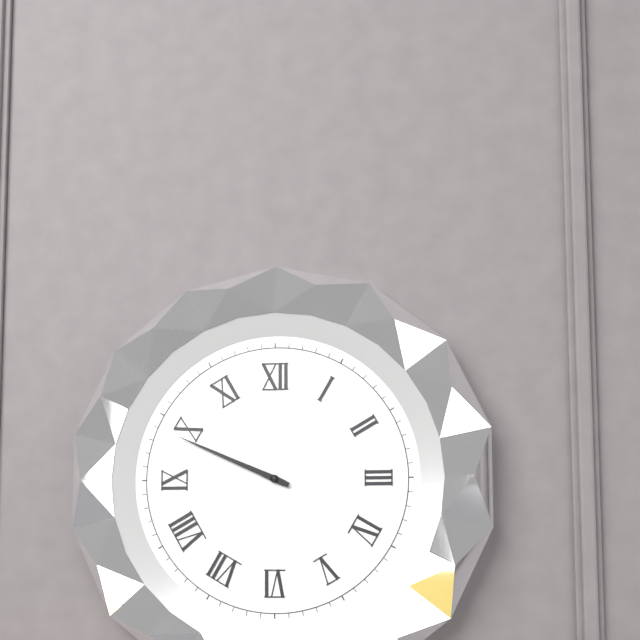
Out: 9:49
